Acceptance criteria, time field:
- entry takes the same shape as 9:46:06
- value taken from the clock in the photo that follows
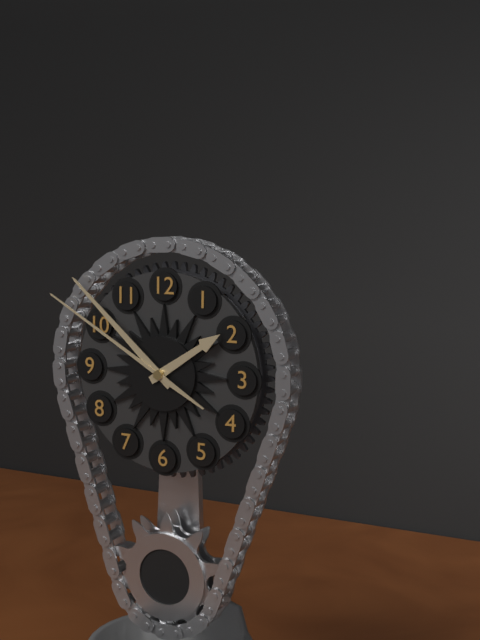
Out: 1:52:50
